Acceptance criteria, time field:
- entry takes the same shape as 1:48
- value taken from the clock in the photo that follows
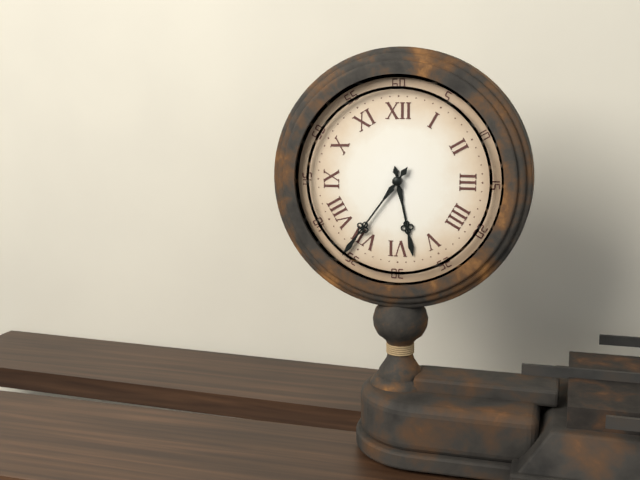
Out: 5:36
